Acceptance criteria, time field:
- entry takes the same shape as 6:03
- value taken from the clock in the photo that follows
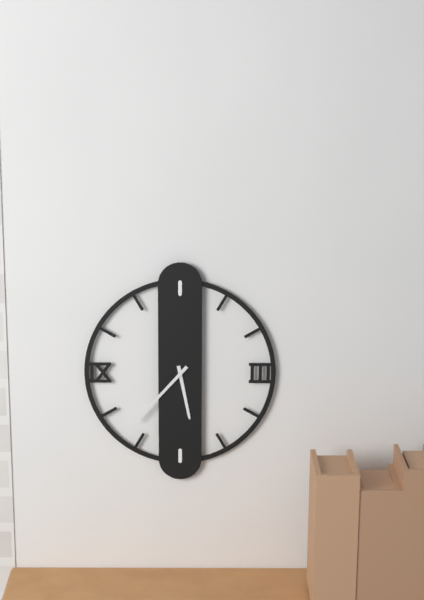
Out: 5:37
